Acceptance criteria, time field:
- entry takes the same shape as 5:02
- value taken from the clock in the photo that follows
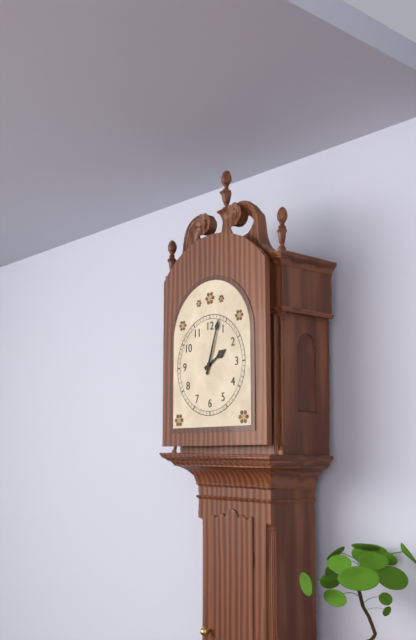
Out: 2:03
